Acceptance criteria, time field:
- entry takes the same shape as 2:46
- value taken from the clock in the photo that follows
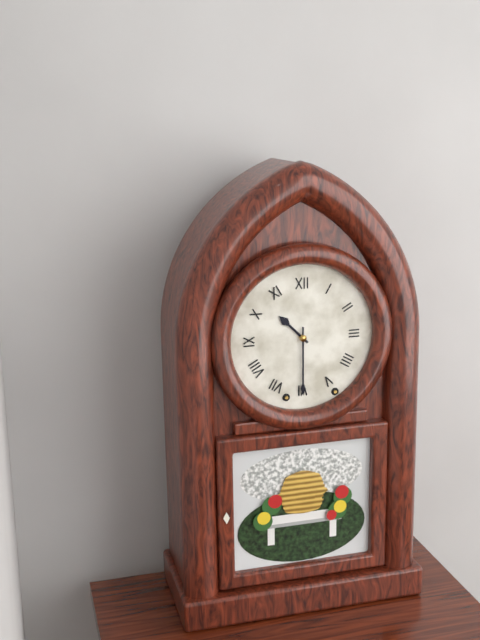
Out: 10:30
